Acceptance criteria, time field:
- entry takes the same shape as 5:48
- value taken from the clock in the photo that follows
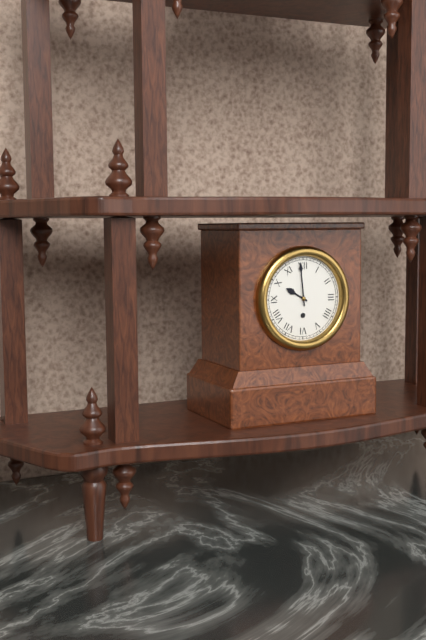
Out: 9:59
